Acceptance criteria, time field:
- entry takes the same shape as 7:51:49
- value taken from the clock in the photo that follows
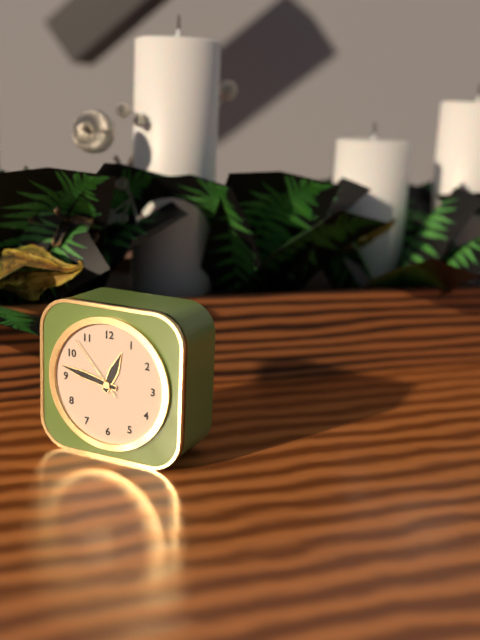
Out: 12:47:53
